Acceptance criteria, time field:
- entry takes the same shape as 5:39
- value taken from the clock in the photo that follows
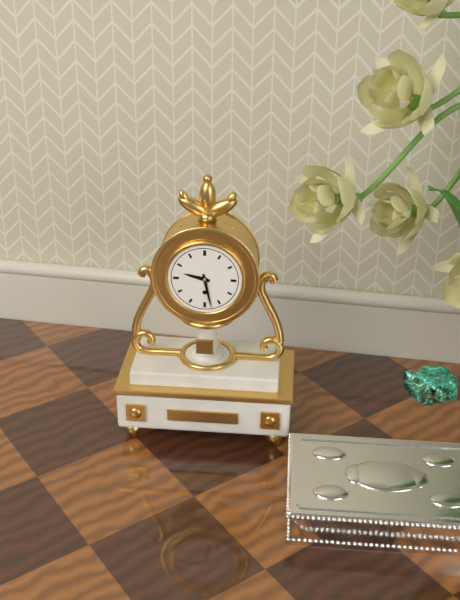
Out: 9:28
